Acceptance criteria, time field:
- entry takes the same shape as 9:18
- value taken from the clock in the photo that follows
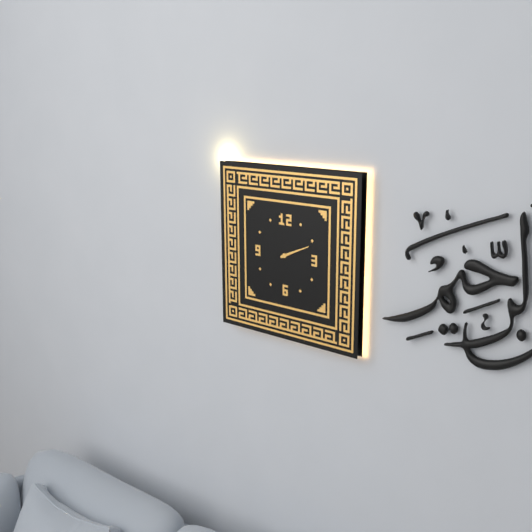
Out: 2:11
